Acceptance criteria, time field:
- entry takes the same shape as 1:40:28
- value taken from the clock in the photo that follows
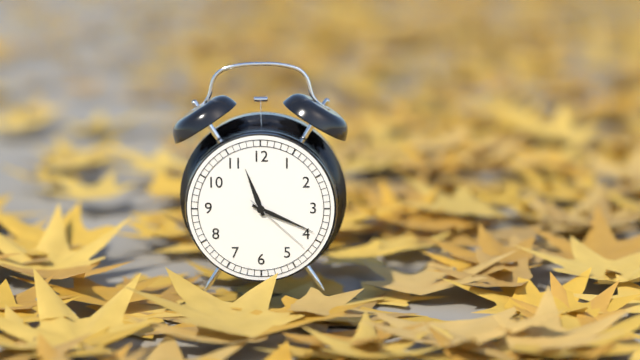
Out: 11:19:22
